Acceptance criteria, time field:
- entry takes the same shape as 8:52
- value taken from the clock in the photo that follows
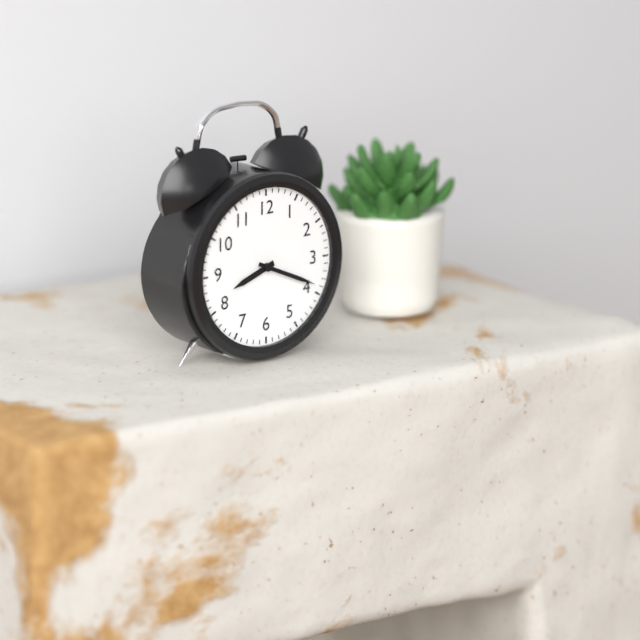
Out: 8:19
